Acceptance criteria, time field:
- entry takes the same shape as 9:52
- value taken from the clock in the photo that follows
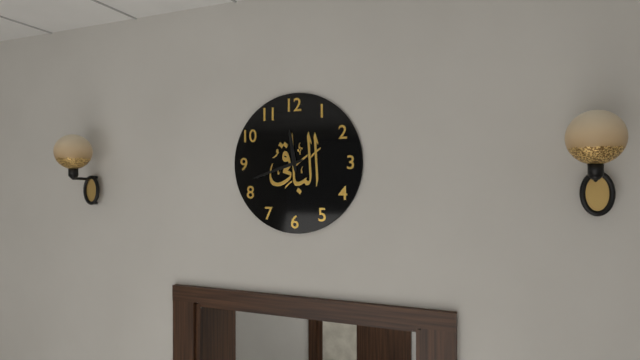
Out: 11:42
